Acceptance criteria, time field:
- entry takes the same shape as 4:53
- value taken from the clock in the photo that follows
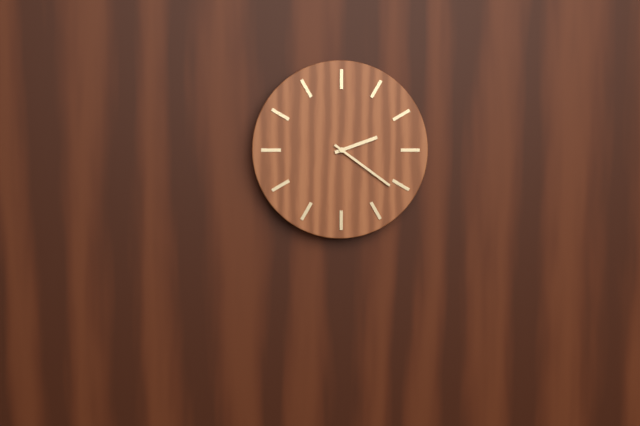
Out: 2:21
